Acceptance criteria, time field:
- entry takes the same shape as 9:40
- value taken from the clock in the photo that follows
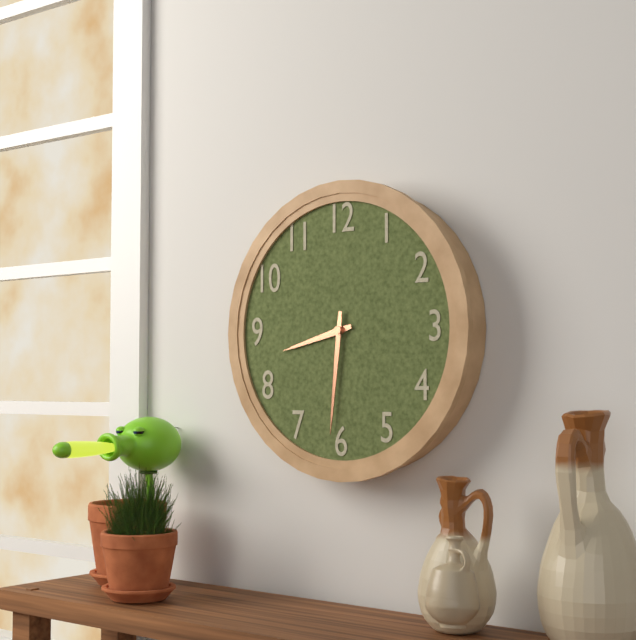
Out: 8:31
